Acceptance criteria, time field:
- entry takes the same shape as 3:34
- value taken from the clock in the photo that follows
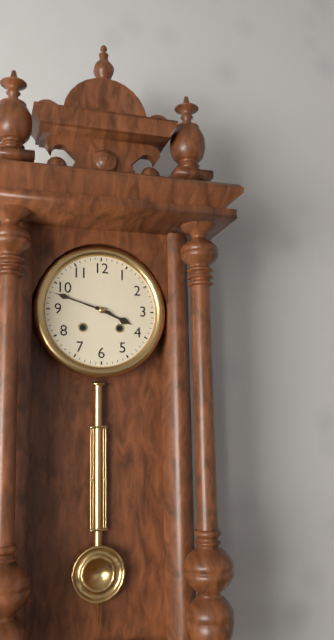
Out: 3:48
